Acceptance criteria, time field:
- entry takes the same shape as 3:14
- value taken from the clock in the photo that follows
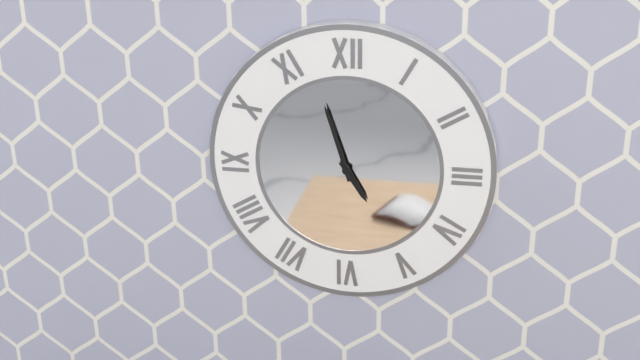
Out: 4:57
